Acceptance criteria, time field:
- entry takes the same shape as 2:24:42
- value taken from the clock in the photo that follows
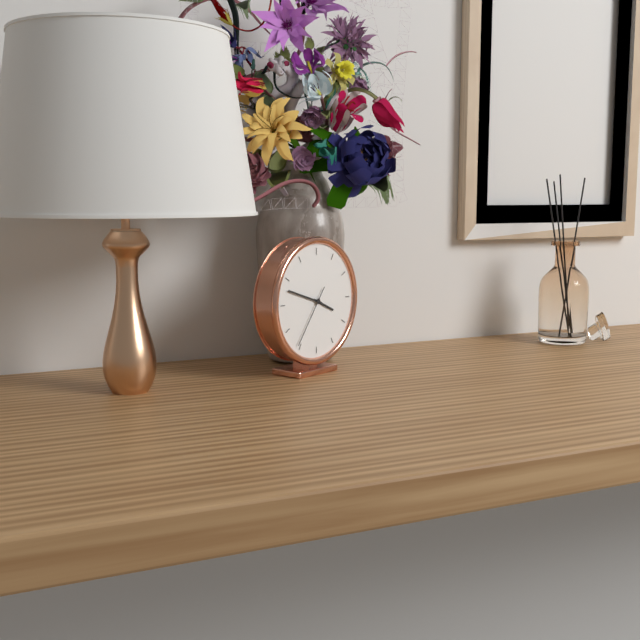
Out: 3:48:36
